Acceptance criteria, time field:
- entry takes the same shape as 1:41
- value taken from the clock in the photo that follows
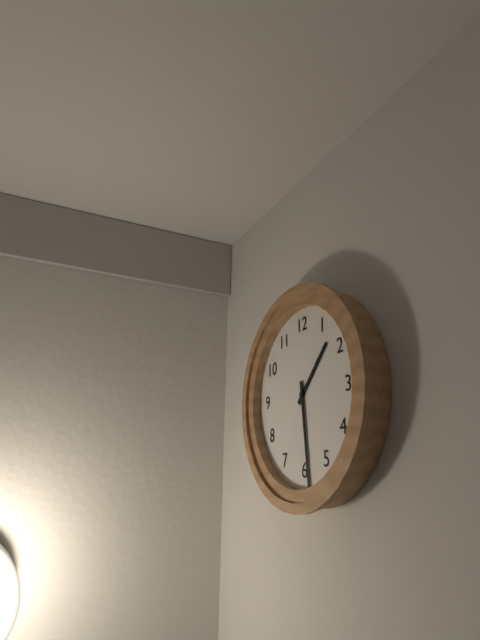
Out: 1:29
